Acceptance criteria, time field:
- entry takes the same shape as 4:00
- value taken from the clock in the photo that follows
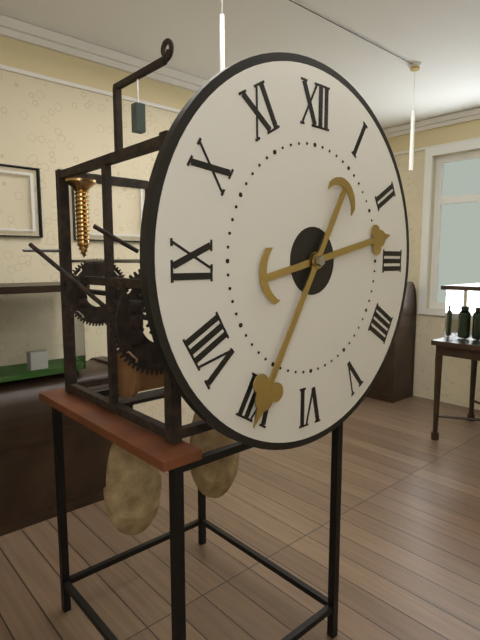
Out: 2:35
